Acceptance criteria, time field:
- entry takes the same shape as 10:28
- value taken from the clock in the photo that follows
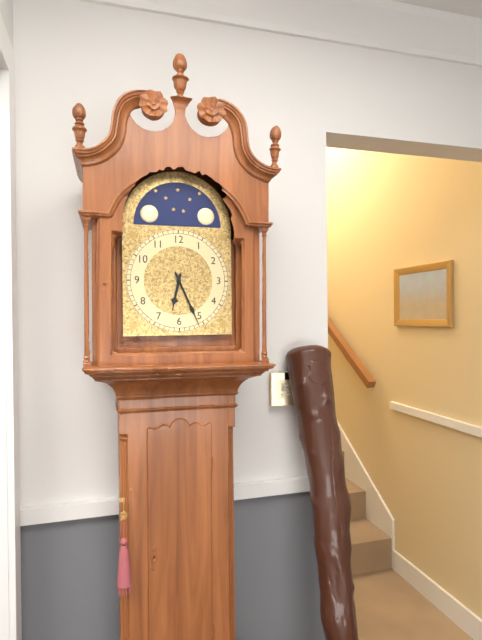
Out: 6:26
